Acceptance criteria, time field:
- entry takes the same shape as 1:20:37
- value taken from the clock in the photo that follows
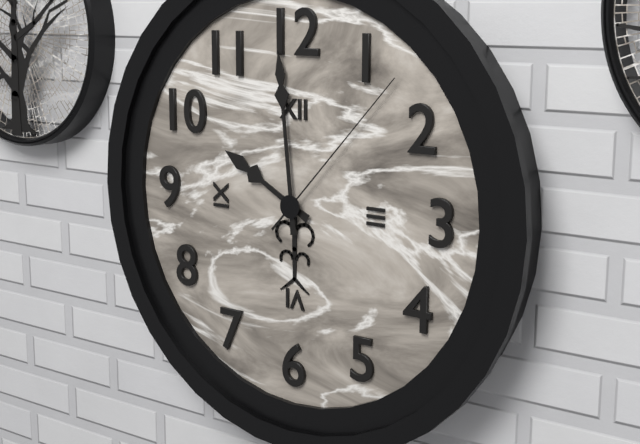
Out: 9:59:07
